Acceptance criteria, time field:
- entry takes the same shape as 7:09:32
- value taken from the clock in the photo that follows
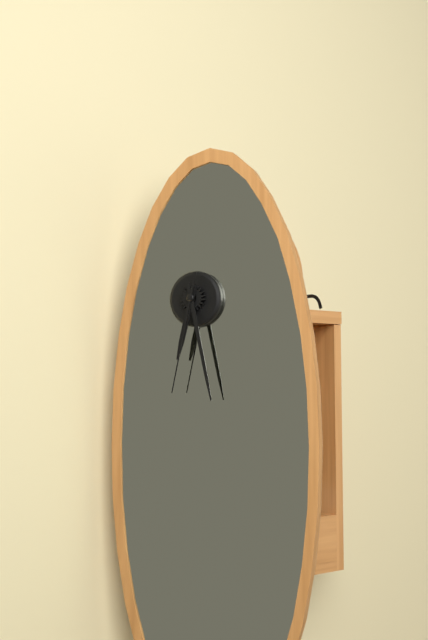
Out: 6:28:32
